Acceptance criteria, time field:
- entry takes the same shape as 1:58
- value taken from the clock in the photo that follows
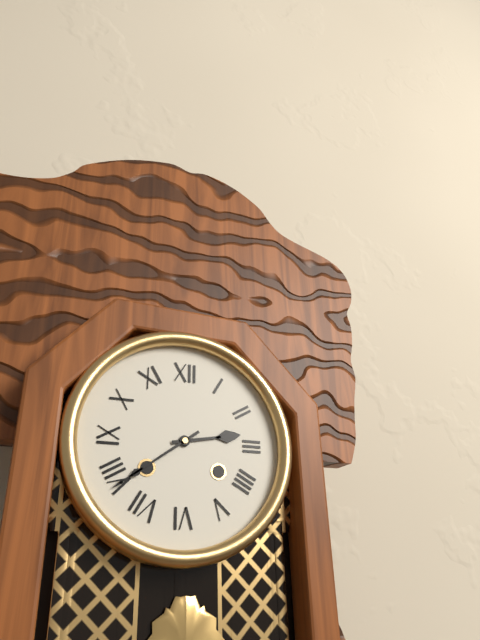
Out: 2:39
